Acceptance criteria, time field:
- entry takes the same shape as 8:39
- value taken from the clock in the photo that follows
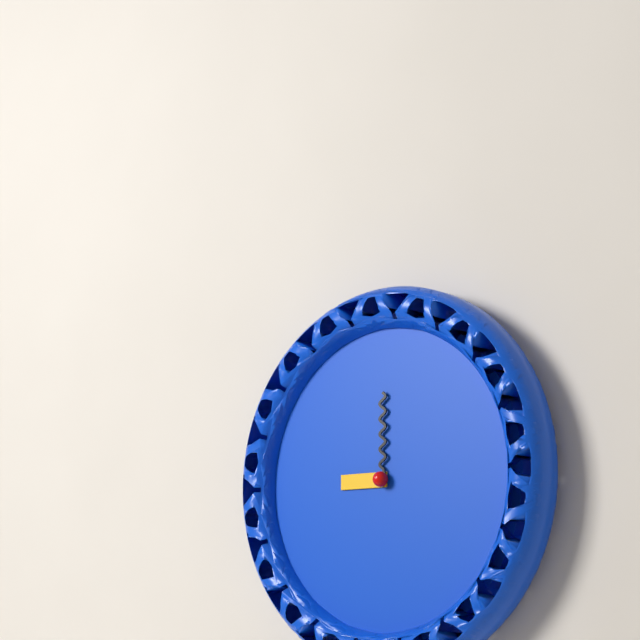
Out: 9:00
